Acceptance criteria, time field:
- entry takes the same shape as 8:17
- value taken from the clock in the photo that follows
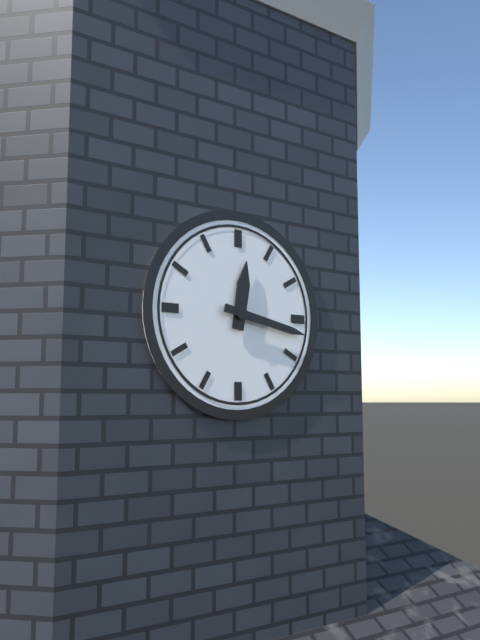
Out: 12:17
